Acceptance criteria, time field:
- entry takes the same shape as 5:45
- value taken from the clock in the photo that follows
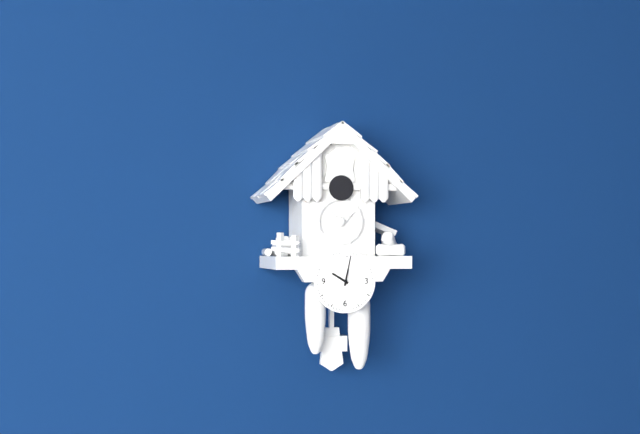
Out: 10:02
